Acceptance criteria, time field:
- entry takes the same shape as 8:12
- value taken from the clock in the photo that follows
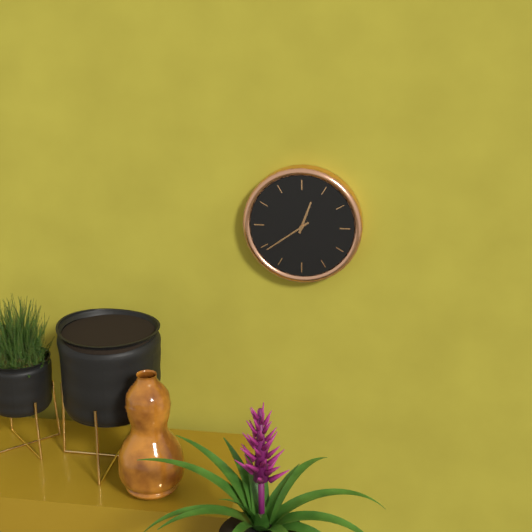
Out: 12:39
